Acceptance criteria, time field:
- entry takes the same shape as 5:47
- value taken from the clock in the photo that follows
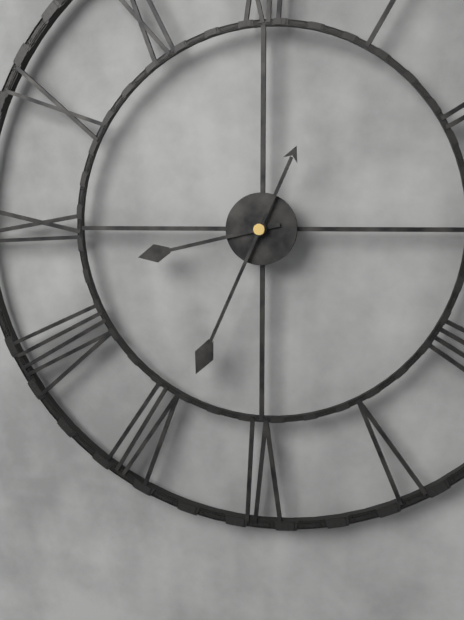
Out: 8:34
